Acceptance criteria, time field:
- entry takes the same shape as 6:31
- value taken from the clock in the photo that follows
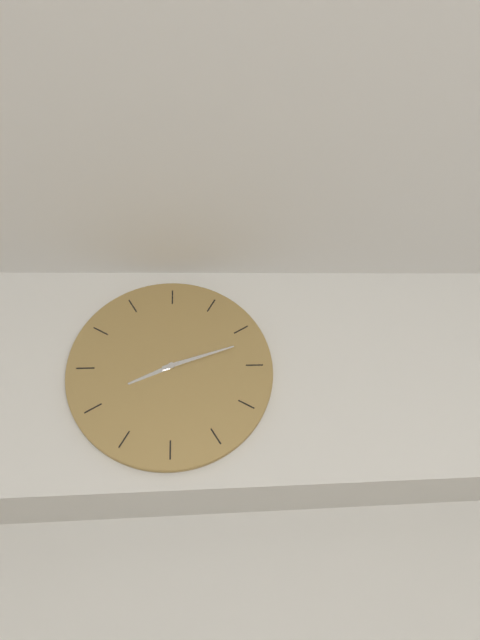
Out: 8:12
